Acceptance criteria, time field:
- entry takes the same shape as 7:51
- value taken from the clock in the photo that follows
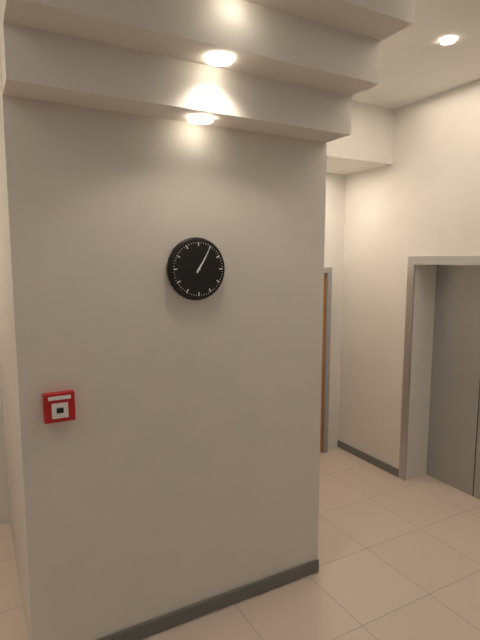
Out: 1:05
